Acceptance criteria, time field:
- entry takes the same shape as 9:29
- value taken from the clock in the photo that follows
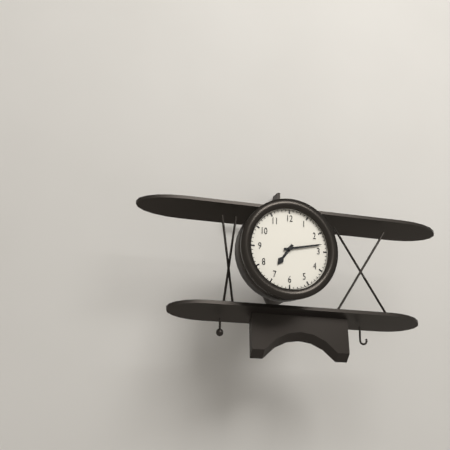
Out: 7:13
